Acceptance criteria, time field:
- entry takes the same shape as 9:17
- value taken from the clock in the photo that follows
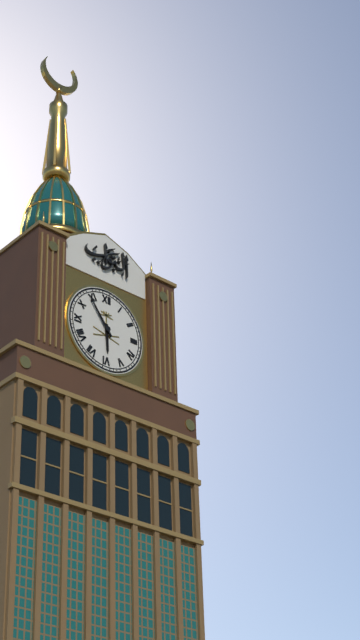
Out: 5:54
